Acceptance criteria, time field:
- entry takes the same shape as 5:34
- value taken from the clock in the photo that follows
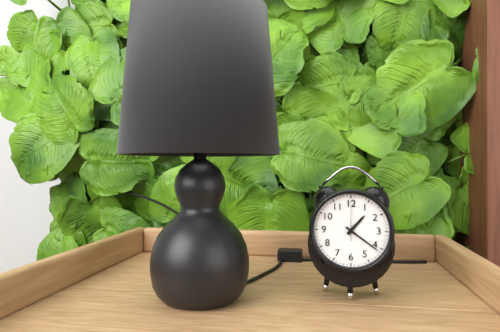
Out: 1:21
